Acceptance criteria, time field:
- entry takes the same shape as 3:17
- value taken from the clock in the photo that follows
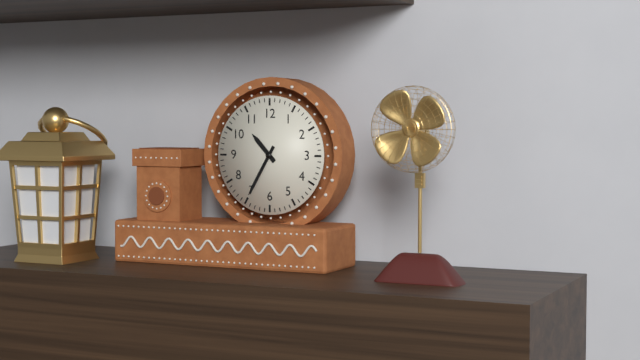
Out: 10:35
